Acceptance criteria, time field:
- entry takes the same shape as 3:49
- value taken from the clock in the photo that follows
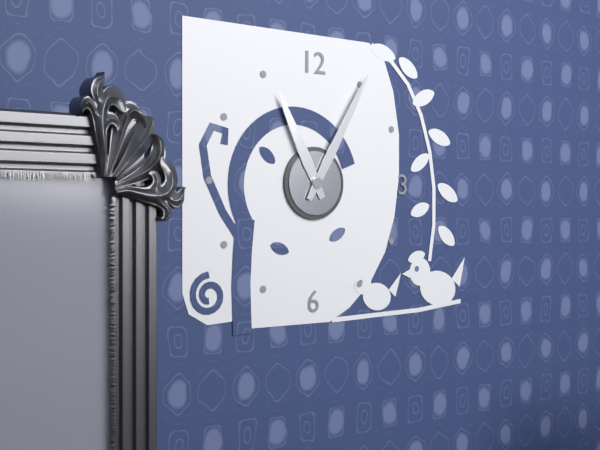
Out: 11:05
